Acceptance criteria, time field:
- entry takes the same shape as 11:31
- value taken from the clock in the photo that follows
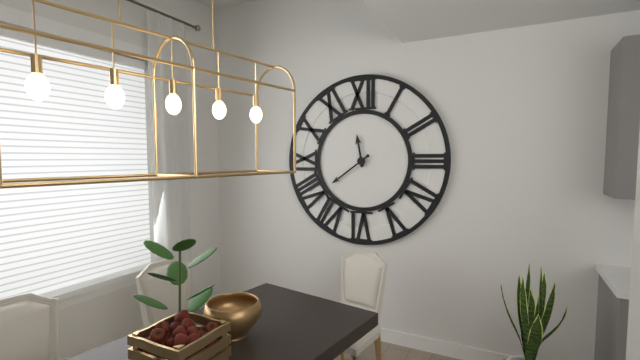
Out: 11:39
